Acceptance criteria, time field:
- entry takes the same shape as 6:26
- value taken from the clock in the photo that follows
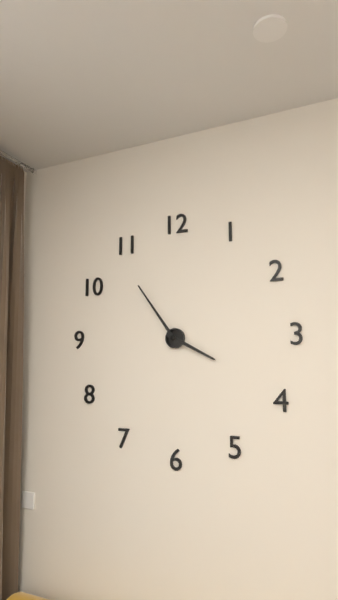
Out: 3:54
